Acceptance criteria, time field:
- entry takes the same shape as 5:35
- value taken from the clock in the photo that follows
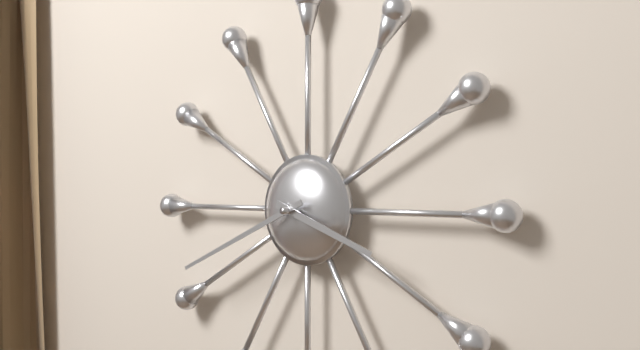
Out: 3:41
